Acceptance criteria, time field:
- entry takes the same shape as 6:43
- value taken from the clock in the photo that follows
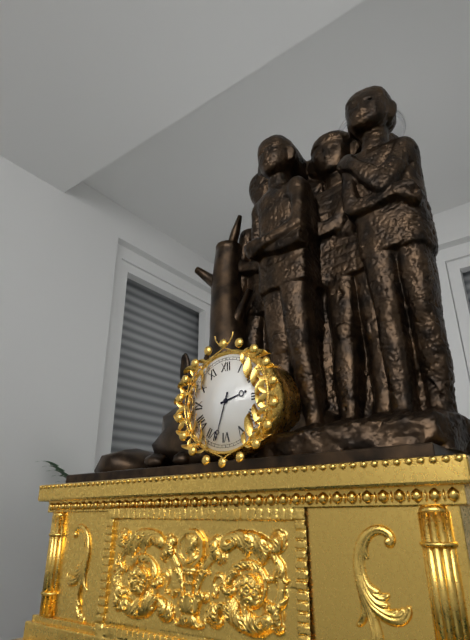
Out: 2:33
